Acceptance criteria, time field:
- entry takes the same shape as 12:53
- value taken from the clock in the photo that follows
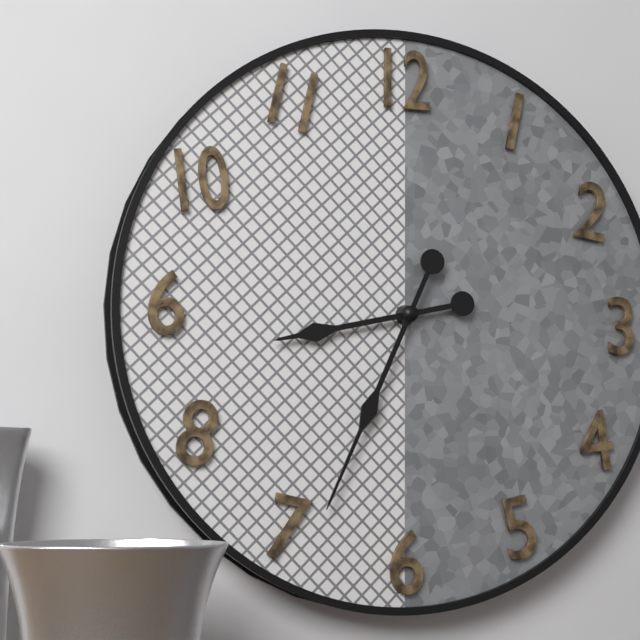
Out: 8:34
